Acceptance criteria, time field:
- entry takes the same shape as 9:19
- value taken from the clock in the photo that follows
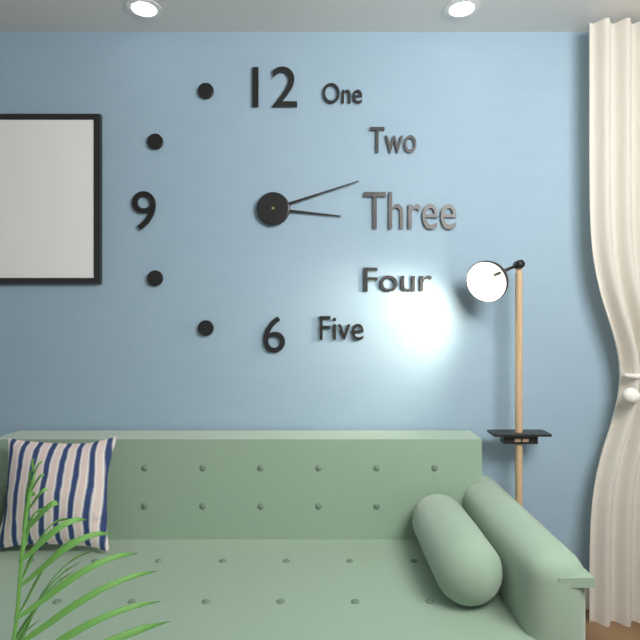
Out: 3:12
